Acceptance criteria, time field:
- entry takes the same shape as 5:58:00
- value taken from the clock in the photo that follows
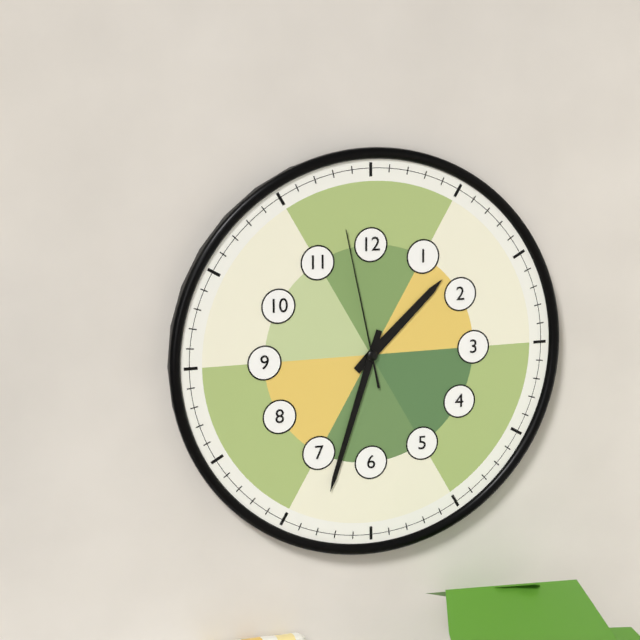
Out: 1:33:58
